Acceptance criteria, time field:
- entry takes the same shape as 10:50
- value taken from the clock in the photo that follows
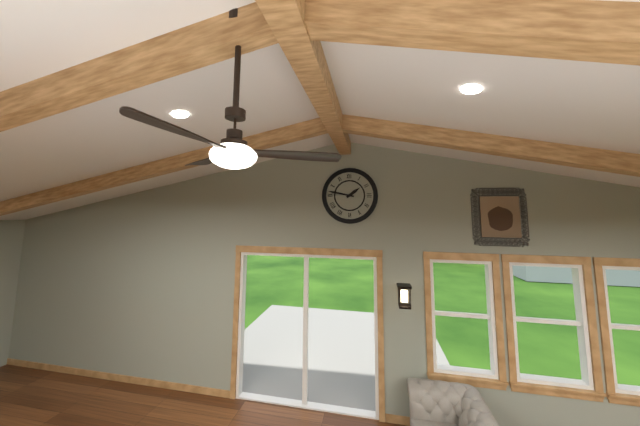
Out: 1:47
